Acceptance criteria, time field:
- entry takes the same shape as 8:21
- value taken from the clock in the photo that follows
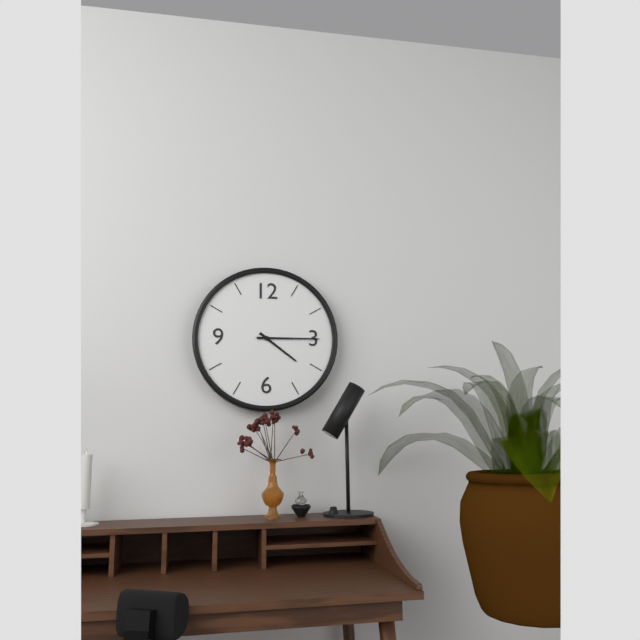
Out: 4:15
